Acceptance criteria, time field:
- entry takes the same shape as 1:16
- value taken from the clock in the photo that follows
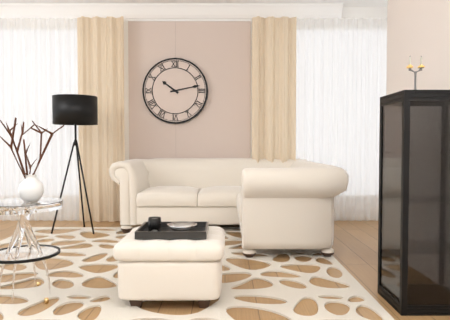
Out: 10:13
